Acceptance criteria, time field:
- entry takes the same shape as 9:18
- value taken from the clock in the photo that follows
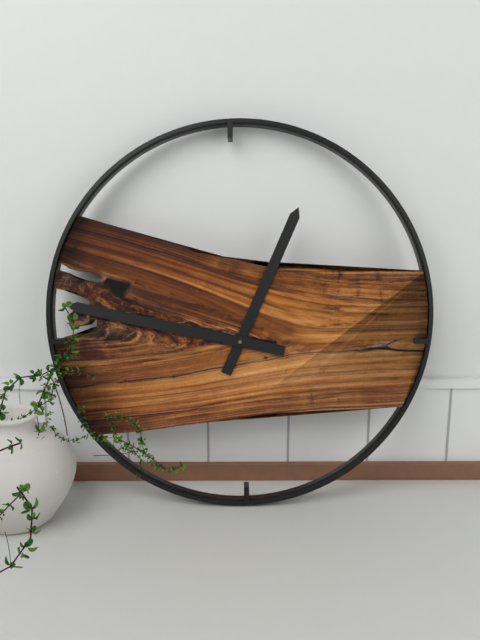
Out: 12:47
